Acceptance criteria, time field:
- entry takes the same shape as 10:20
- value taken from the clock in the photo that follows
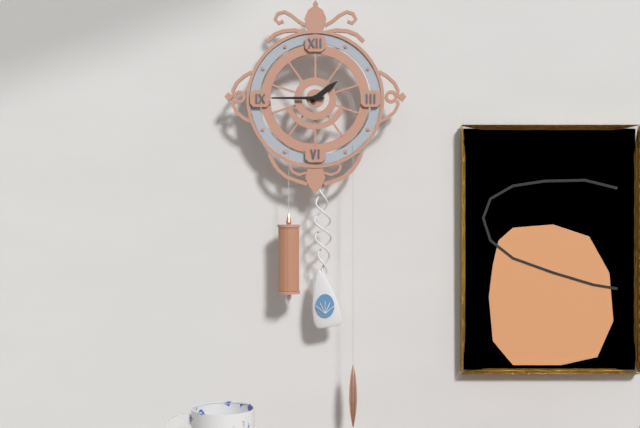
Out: 1:45
